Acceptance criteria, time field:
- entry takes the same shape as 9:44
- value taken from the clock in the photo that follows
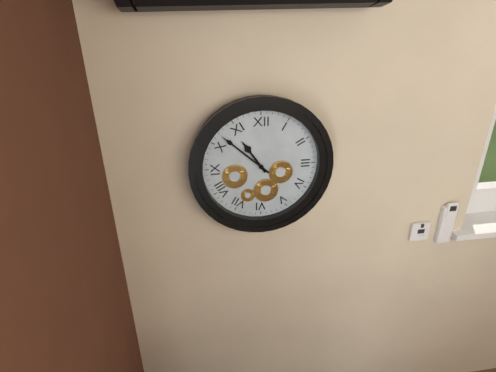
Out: 10:52
